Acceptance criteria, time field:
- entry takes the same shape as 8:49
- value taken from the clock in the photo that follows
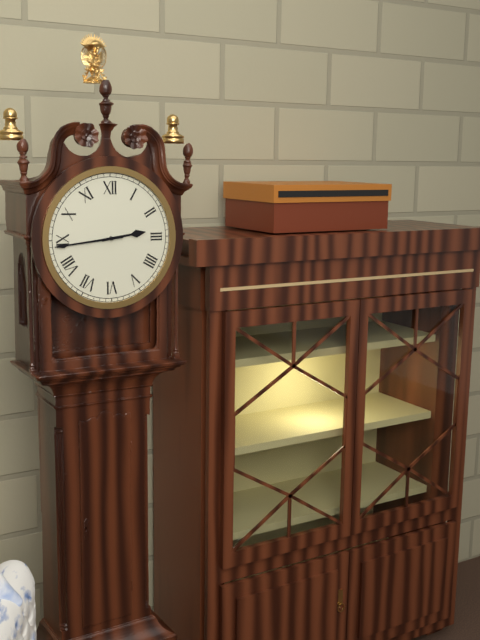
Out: 2:44
